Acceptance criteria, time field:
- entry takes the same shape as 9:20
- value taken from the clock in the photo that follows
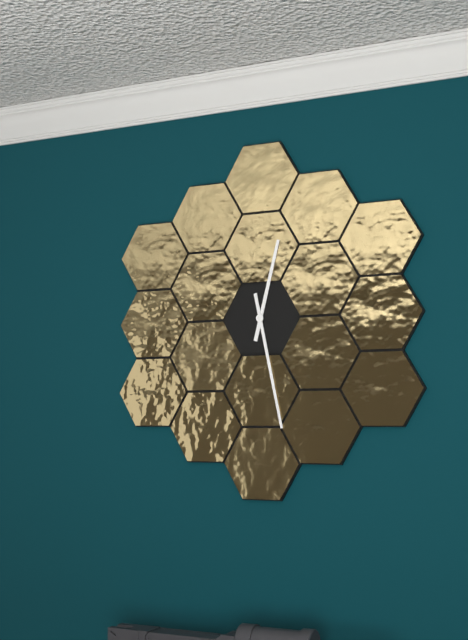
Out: 12:28
